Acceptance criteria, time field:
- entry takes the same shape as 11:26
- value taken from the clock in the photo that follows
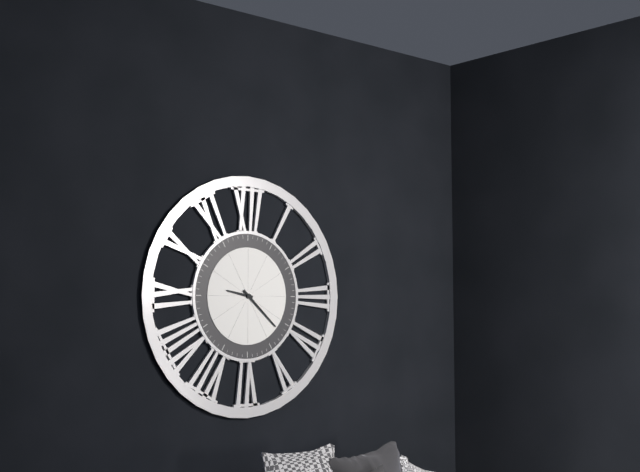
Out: 9:22
